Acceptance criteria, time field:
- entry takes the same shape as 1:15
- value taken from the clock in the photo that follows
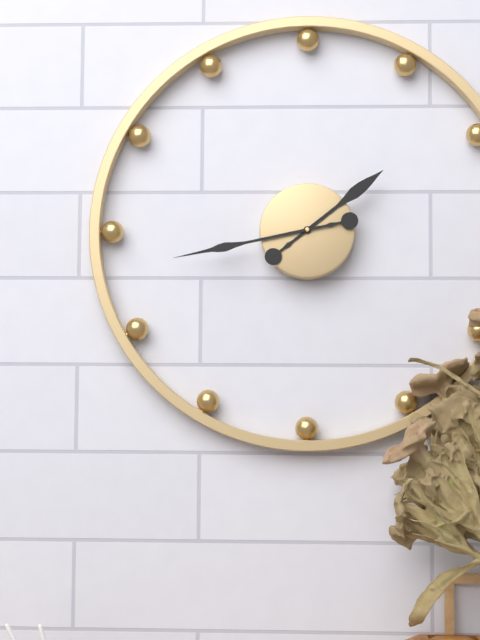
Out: 1:43
